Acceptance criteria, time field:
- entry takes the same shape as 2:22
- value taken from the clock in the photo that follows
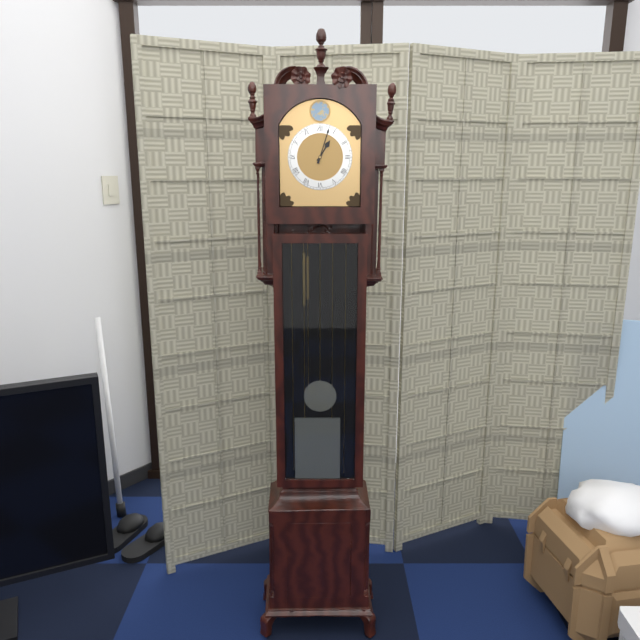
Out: 1:03
